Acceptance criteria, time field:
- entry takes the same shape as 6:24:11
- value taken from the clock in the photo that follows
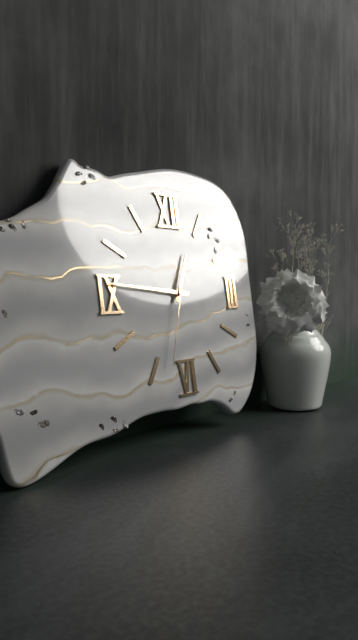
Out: 12:46:33
